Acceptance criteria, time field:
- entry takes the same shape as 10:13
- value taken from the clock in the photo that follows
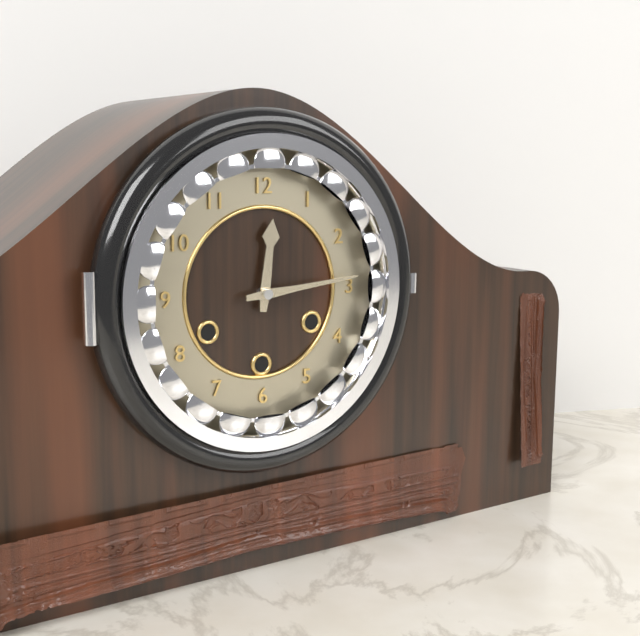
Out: 12:14
